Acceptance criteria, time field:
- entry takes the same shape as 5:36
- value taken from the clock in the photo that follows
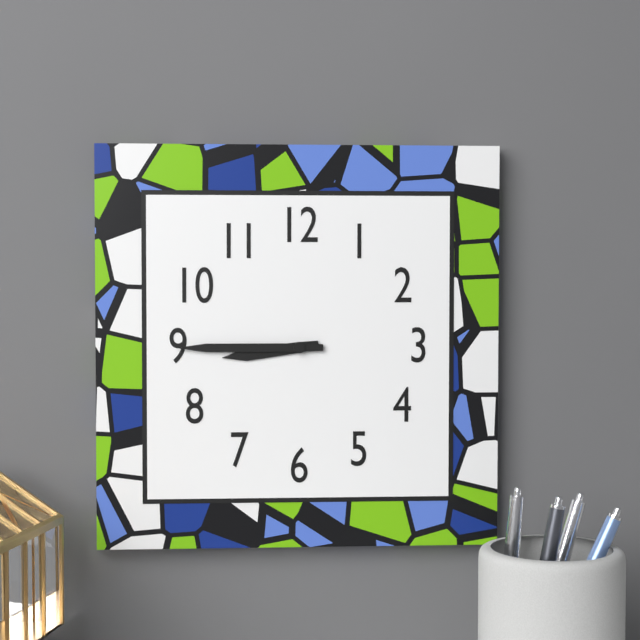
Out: 8:45
